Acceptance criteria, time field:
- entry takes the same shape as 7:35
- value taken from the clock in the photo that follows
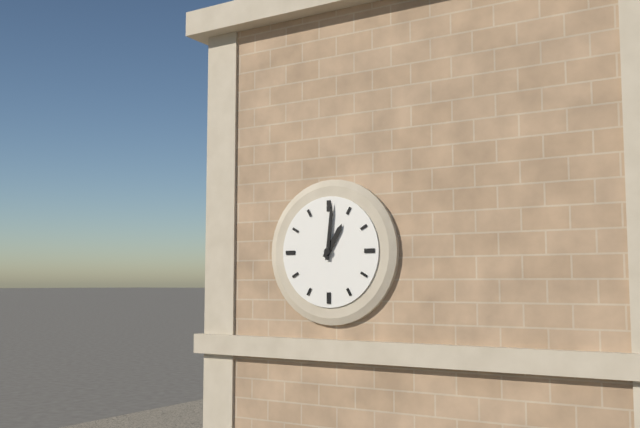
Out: 1:01
